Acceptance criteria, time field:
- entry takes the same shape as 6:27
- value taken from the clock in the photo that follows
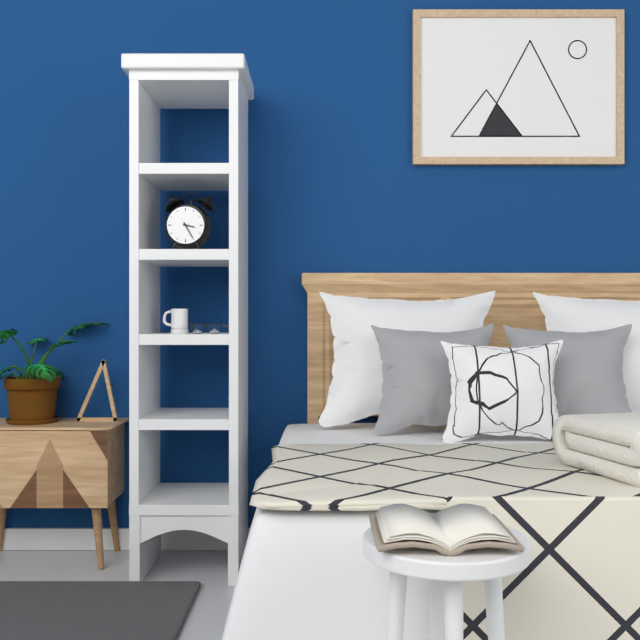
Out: 3:25
